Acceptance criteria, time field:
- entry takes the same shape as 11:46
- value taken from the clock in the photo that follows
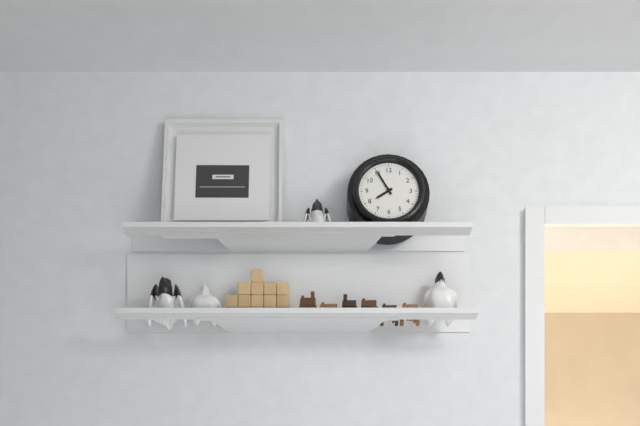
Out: 7:55
